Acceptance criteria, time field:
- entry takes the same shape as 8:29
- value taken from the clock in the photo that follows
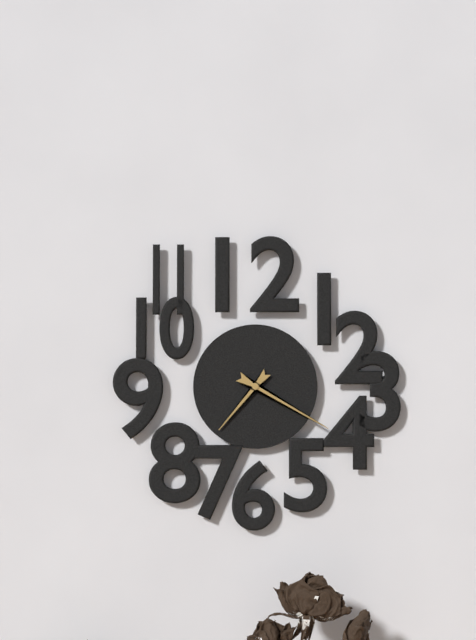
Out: 7:20
